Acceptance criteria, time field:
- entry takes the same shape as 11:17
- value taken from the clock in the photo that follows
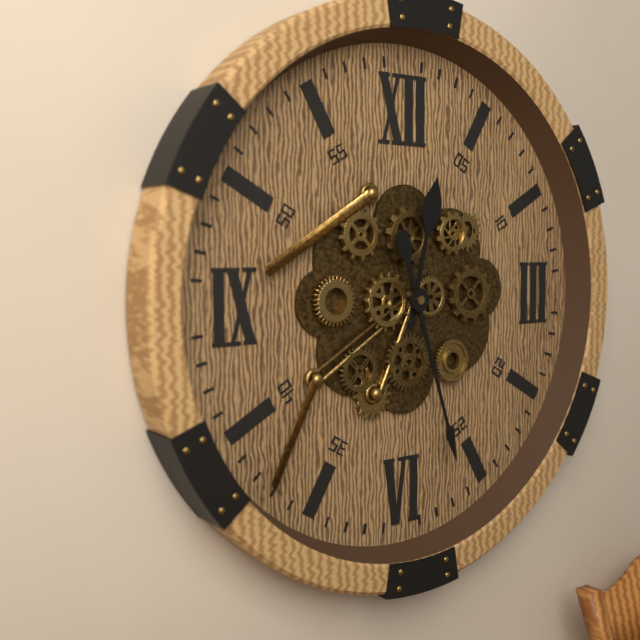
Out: 12:27
